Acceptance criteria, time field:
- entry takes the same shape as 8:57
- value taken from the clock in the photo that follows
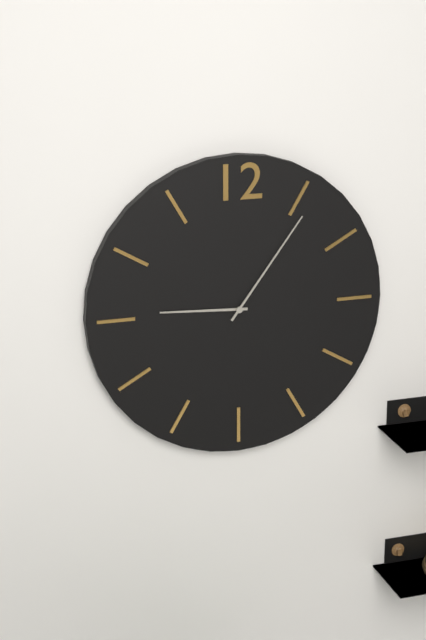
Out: 9:06
